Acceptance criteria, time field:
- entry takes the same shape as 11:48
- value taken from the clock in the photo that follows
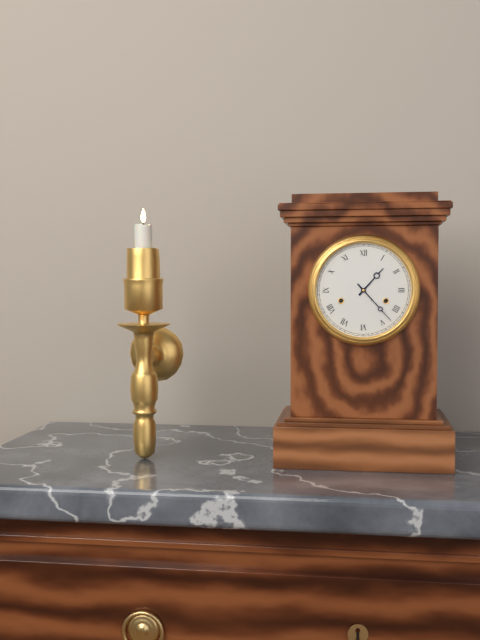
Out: 1:23
